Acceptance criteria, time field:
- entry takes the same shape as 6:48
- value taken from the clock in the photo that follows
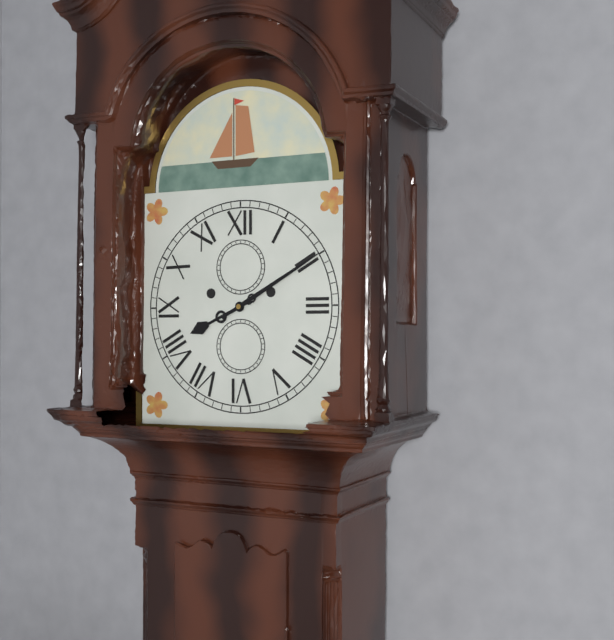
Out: 8:10
